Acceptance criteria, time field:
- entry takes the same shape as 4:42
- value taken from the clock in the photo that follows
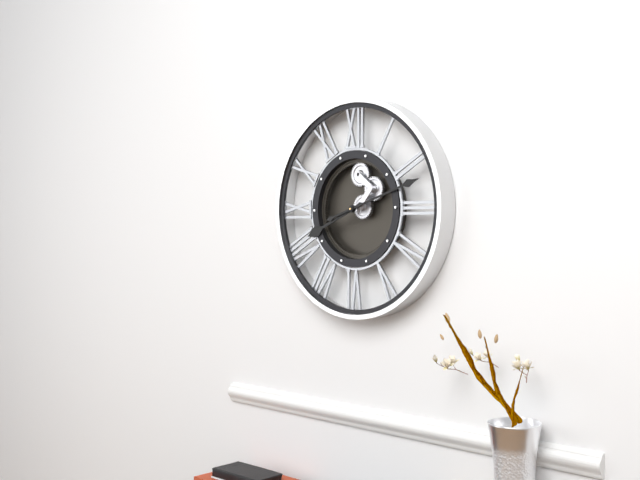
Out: 8:12
